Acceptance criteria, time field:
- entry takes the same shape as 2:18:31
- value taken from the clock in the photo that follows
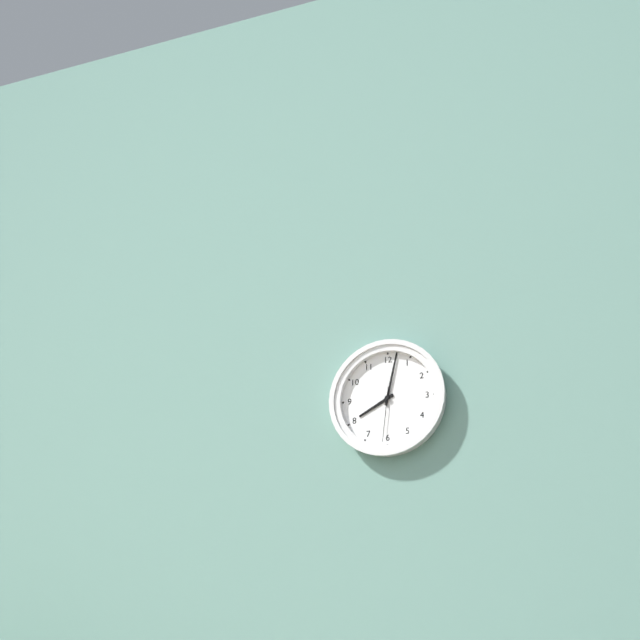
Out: 8:02:31
